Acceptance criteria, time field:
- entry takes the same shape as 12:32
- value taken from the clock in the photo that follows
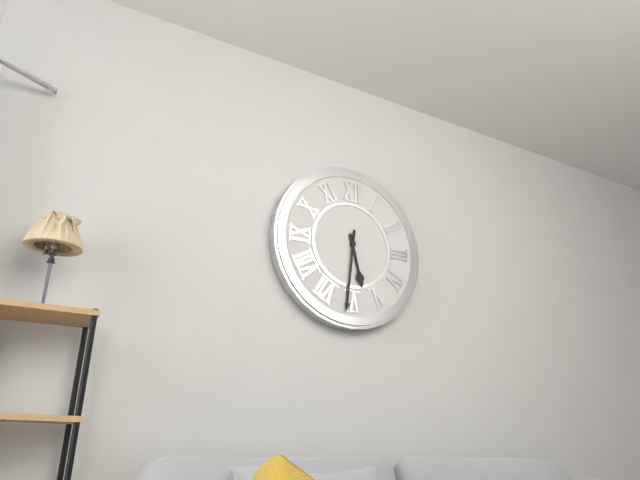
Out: 5:31
